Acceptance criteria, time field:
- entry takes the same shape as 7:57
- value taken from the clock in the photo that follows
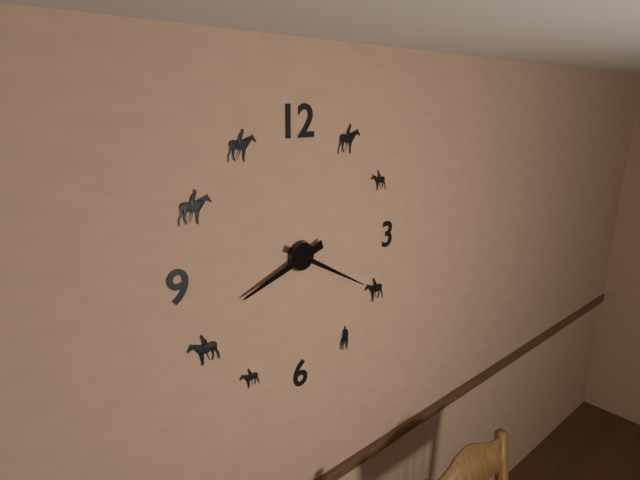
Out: 8:20
